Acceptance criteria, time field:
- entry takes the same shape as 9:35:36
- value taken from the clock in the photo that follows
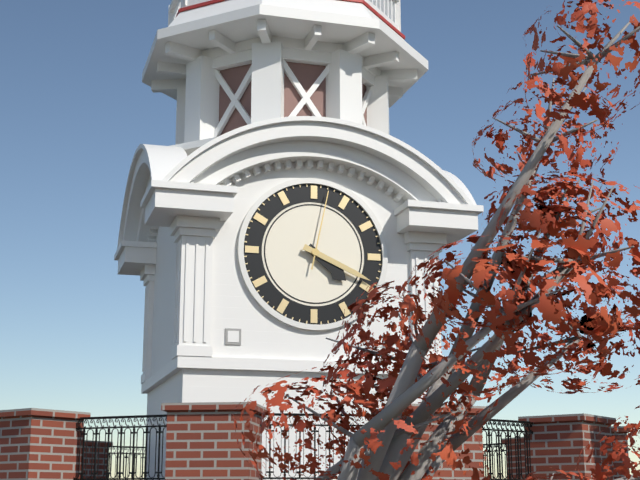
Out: 4:19:02
